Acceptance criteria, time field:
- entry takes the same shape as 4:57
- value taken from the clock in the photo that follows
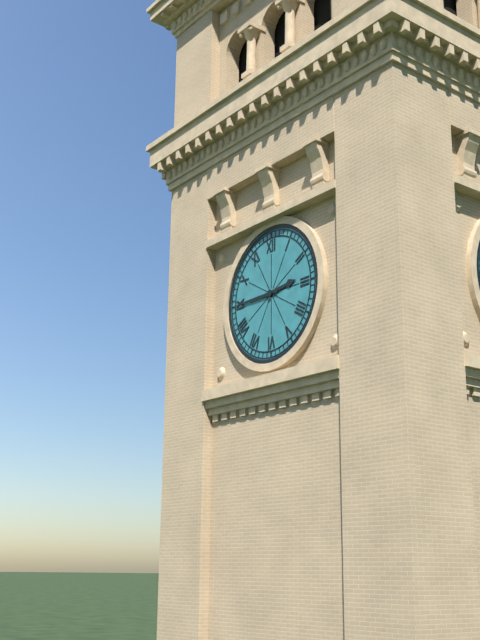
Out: 2:45
